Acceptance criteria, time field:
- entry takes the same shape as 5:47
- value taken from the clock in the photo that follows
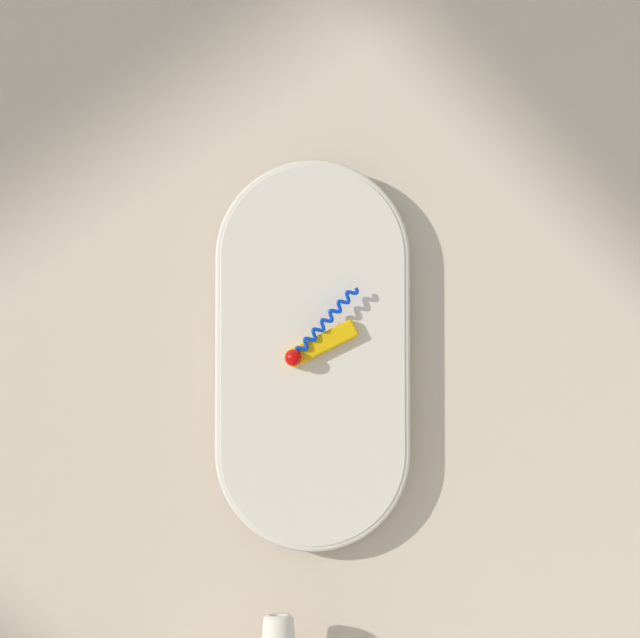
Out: 2:07
